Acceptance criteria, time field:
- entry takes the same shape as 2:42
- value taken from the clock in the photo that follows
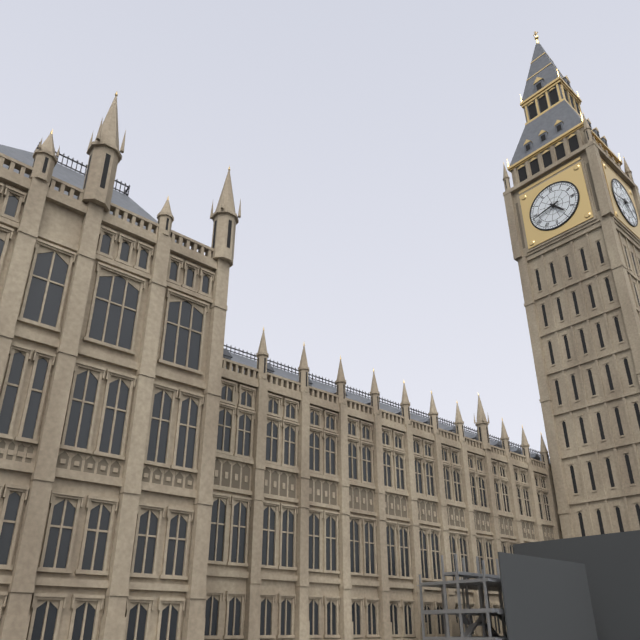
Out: 4:43
